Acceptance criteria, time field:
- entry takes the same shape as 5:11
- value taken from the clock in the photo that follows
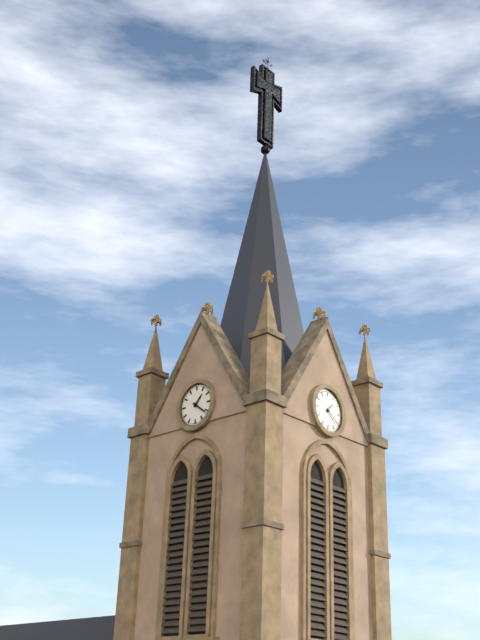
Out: 1:21
